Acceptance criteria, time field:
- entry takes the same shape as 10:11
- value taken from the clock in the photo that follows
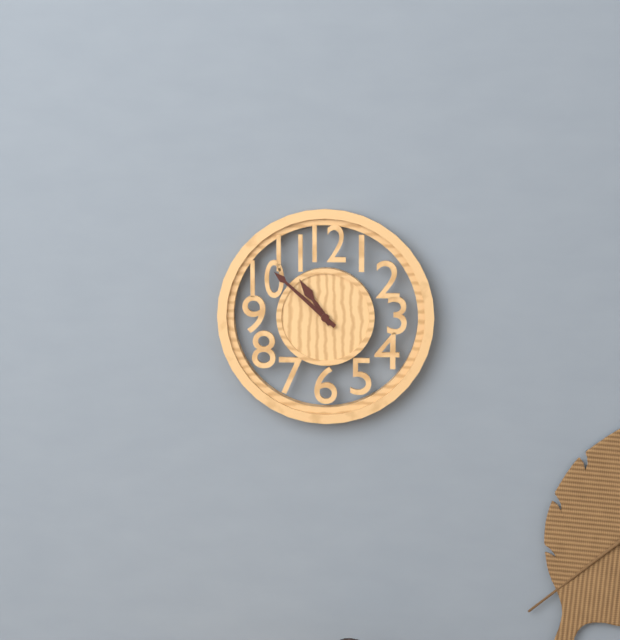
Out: 10:52
